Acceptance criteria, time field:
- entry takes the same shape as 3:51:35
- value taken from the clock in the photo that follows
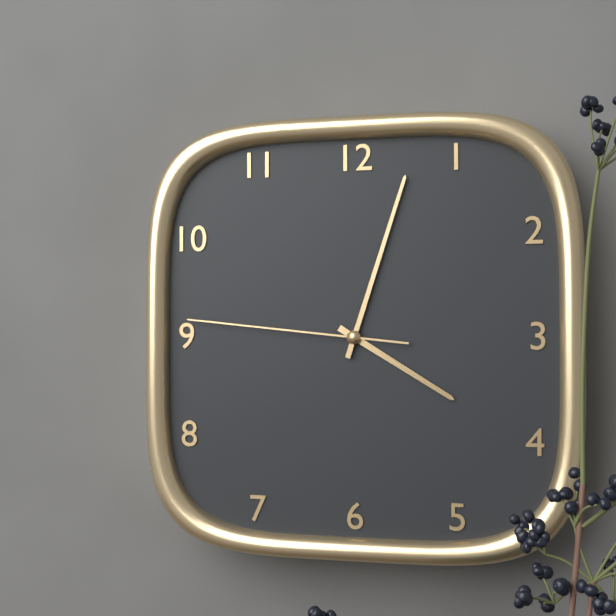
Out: 4:03:46
